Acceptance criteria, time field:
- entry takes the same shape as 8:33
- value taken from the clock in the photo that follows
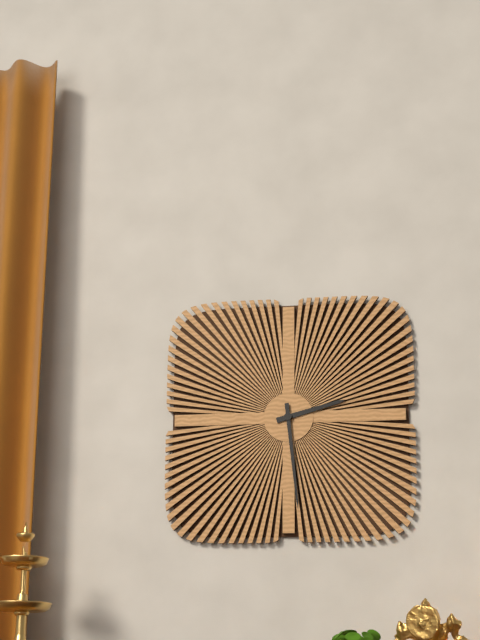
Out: 2:29
